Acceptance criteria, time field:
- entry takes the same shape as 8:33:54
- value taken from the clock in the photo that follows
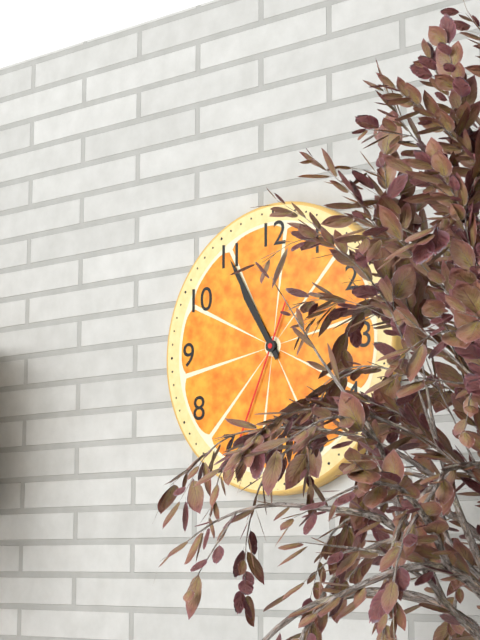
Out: 10:55:34
